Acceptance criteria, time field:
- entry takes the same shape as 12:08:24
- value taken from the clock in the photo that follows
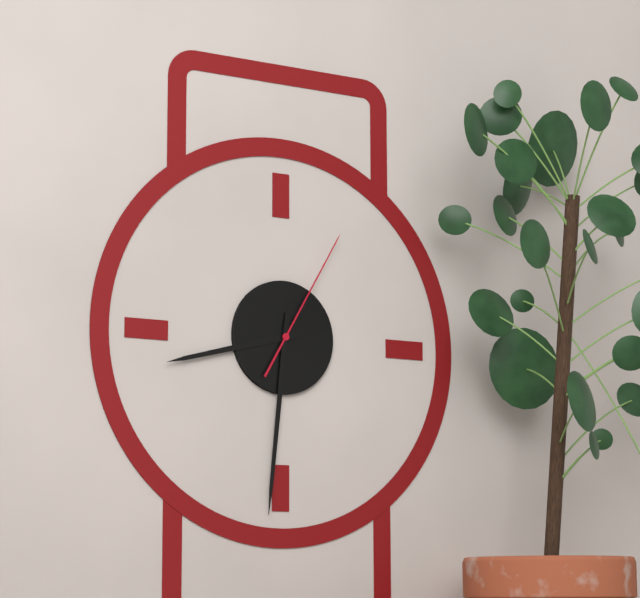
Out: 8:31:05
